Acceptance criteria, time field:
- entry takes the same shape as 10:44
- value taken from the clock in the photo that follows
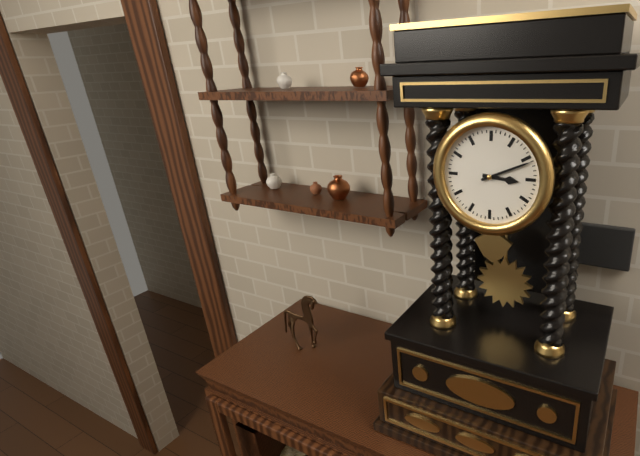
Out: 3:11
